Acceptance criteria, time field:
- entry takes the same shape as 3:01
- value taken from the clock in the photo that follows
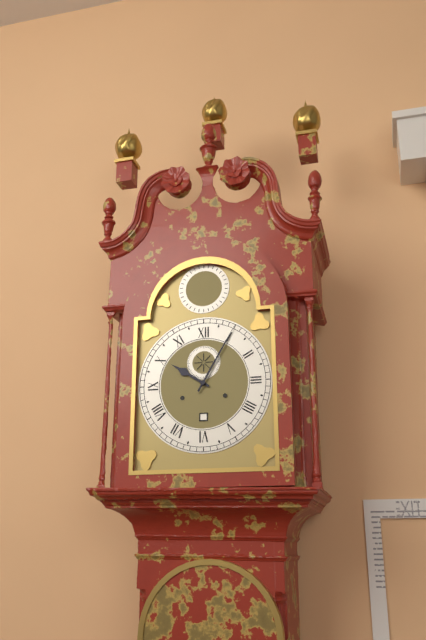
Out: 10:05
